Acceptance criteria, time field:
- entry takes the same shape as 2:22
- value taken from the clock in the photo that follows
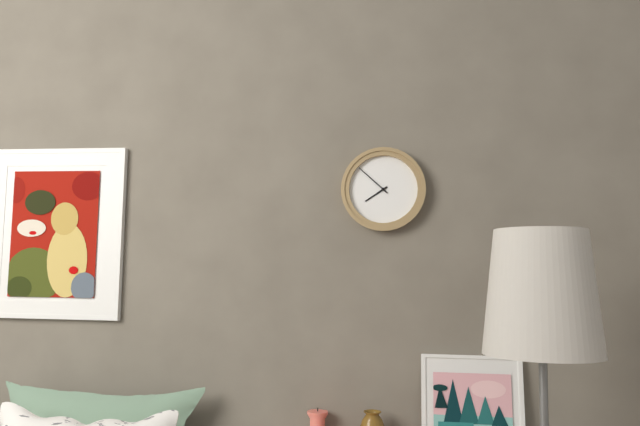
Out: 7:52
